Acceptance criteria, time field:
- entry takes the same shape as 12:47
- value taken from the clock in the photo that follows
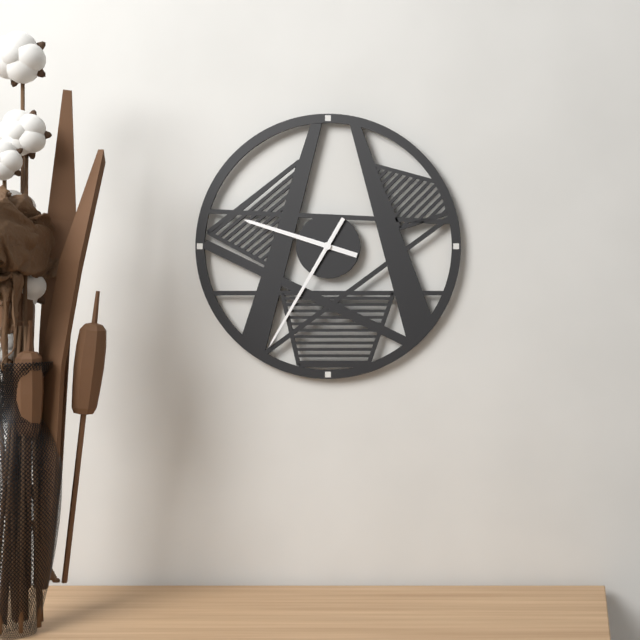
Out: 9:35
